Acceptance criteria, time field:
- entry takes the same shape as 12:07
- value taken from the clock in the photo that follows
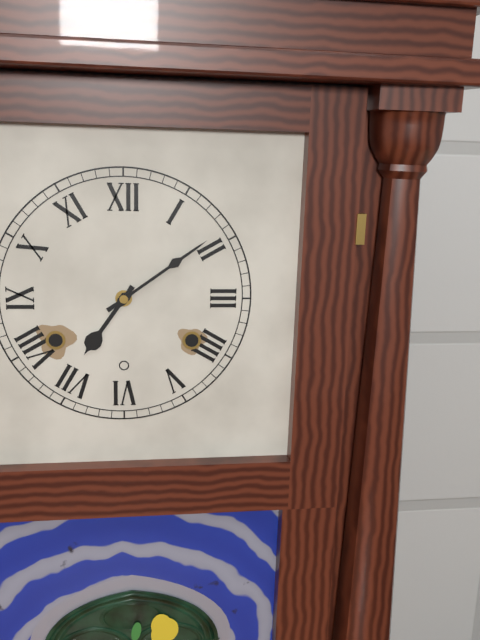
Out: 7:09
